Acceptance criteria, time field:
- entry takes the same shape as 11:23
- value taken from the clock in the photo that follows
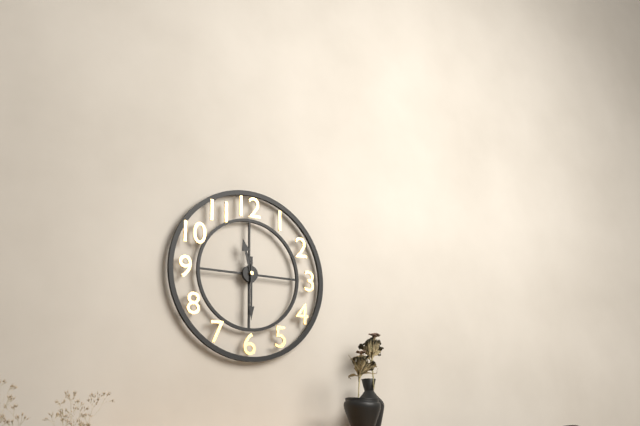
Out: 11:30
